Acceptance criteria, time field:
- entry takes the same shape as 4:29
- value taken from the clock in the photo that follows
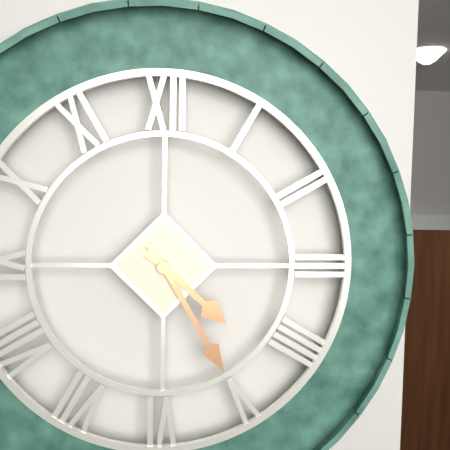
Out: 4:25
